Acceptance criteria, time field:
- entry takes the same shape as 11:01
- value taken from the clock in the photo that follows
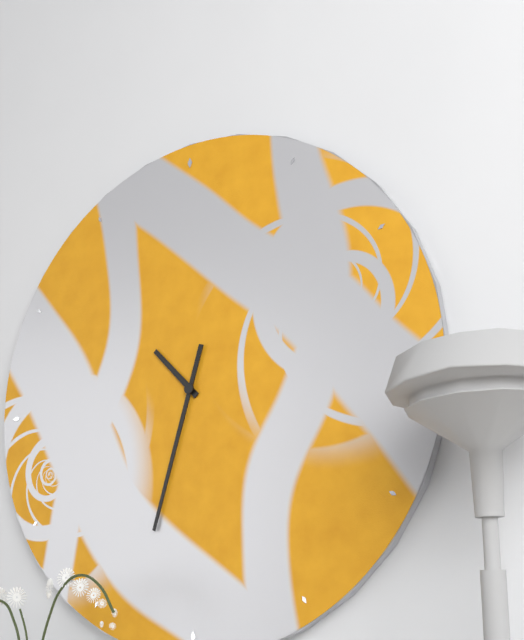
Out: 10:33
